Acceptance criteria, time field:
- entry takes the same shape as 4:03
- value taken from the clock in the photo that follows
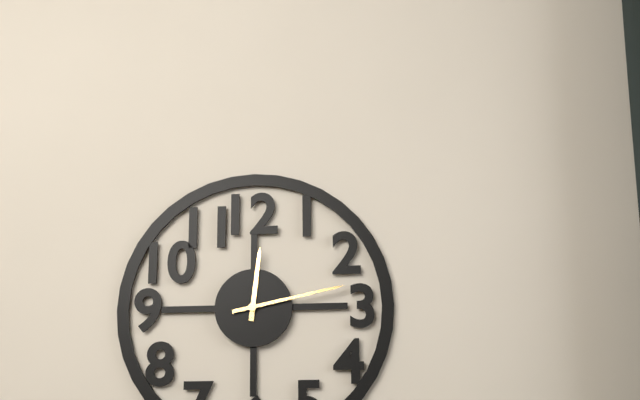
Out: 12:13
